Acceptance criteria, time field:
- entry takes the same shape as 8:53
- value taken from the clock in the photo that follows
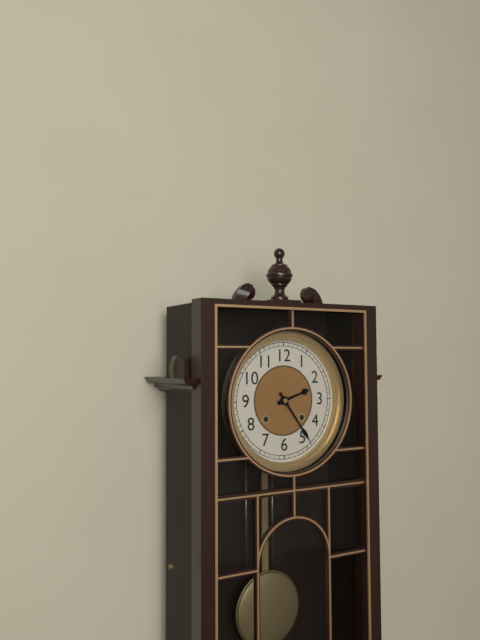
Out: 2:24
